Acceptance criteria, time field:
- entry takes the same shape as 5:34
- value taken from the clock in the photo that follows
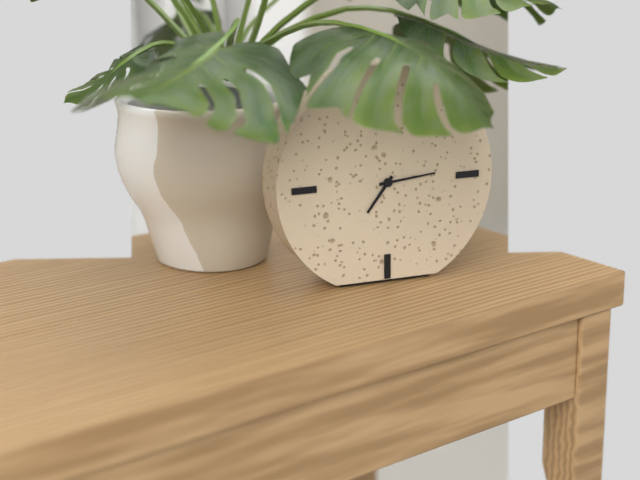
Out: 7:14
